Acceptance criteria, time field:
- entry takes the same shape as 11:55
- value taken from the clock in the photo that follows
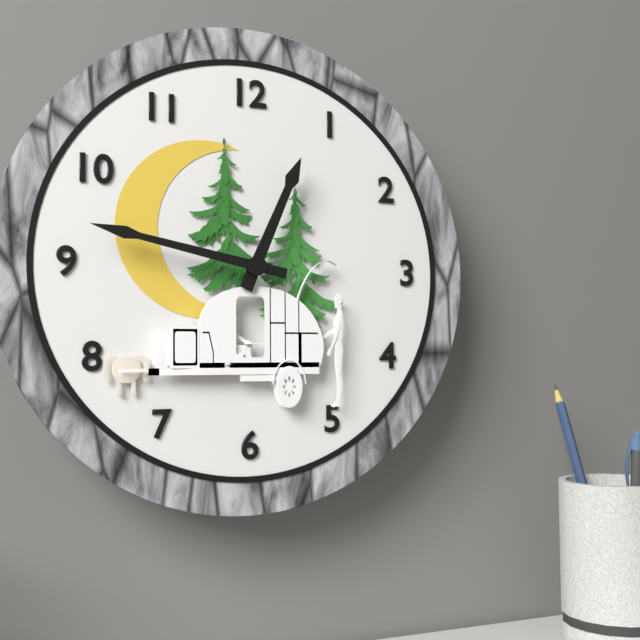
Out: 12:47
